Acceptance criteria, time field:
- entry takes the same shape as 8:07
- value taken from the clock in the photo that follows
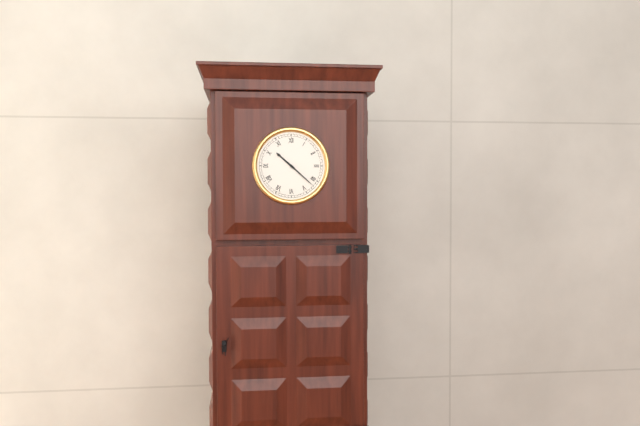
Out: 10:22
